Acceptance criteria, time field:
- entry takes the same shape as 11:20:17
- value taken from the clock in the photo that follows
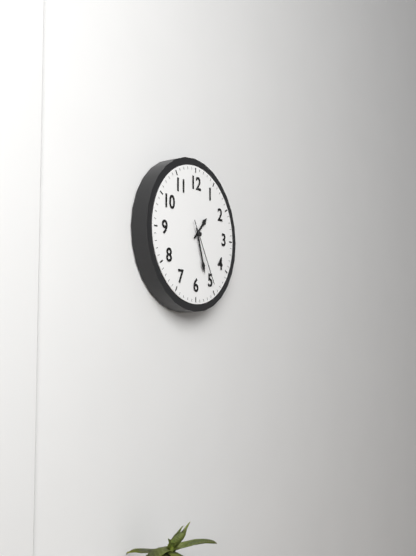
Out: 1:27:25
